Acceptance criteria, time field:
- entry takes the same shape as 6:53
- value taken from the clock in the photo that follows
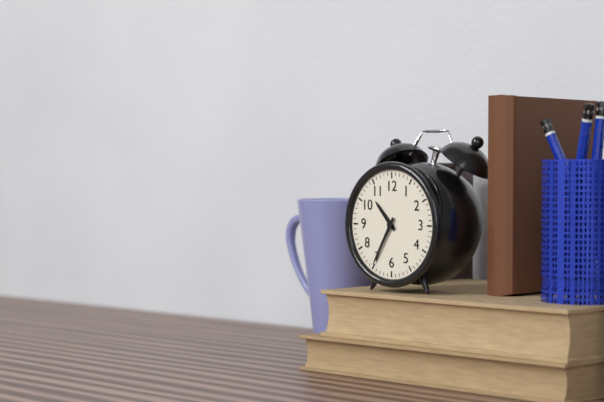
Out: 10:35
